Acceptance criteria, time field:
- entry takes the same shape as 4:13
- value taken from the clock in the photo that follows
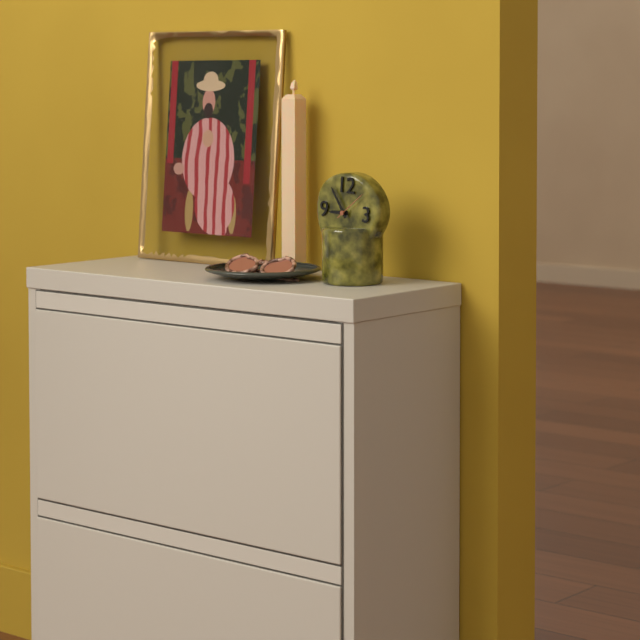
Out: 8:54
